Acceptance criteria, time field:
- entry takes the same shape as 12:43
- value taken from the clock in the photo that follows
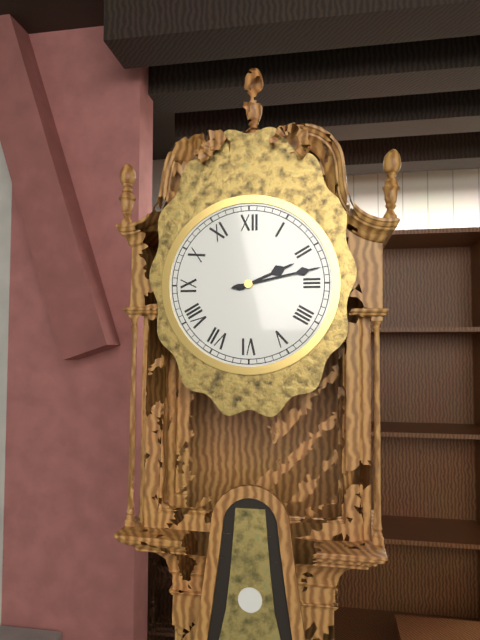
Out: 2:13
